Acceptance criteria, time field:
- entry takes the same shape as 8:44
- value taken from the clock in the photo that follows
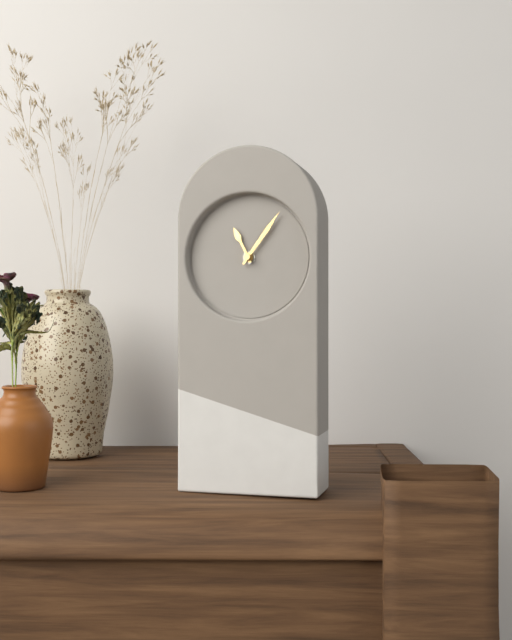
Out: 11:06
